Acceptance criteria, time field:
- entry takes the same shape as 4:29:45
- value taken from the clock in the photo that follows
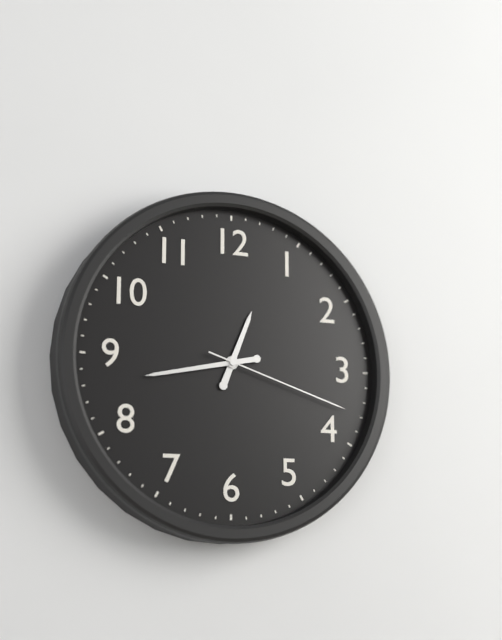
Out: 12:43:18
